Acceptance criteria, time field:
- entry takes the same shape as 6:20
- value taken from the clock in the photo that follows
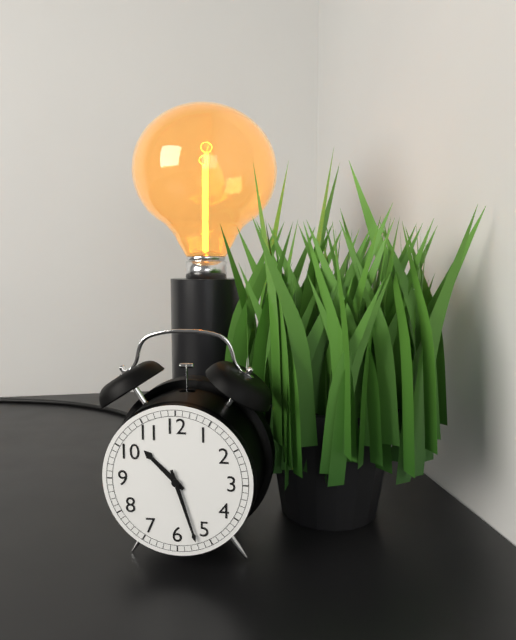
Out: 10:27
